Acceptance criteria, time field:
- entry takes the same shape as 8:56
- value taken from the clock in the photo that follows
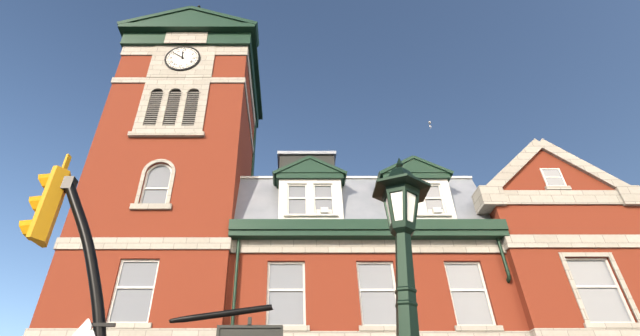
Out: 11:51
